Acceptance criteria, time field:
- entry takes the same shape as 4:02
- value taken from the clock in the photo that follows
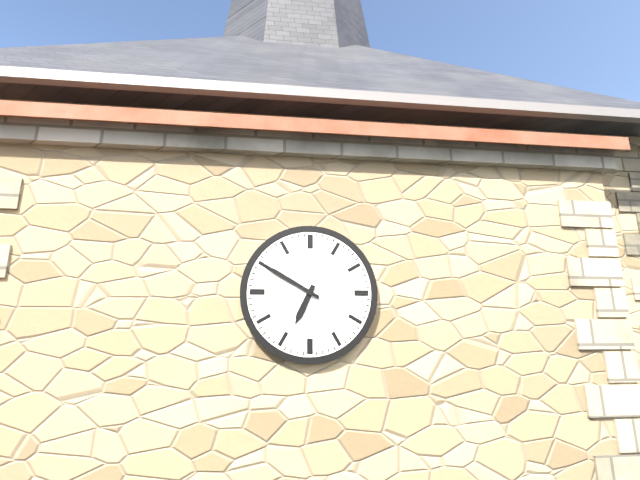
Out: 6:50
